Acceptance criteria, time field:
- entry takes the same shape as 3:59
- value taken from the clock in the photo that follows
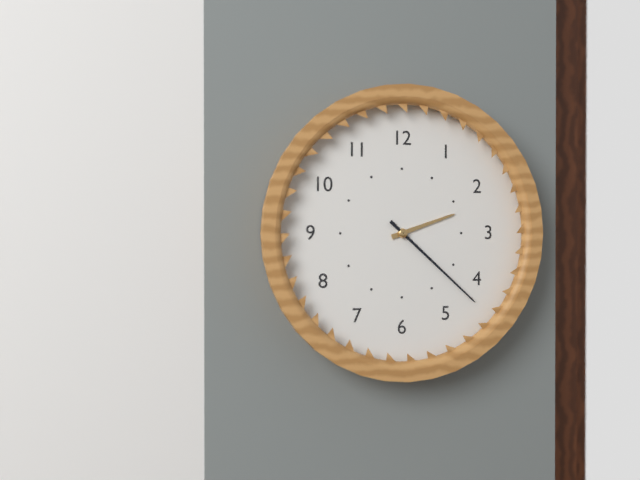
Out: 2:22
